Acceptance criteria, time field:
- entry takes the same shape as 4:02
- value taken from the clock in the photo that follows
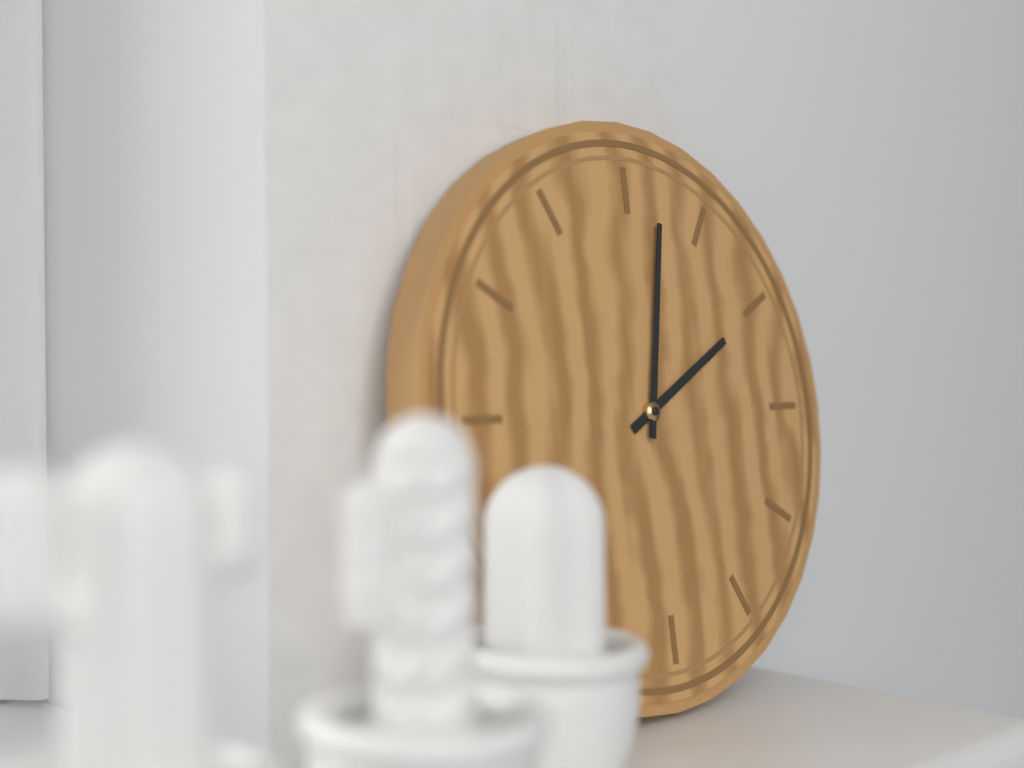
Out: 2:02
